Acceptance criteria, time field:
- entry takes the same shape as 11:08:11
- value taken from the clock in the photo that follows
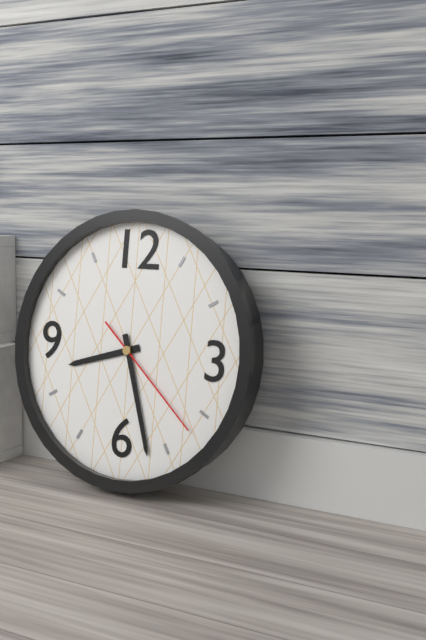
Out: 8:27:22
